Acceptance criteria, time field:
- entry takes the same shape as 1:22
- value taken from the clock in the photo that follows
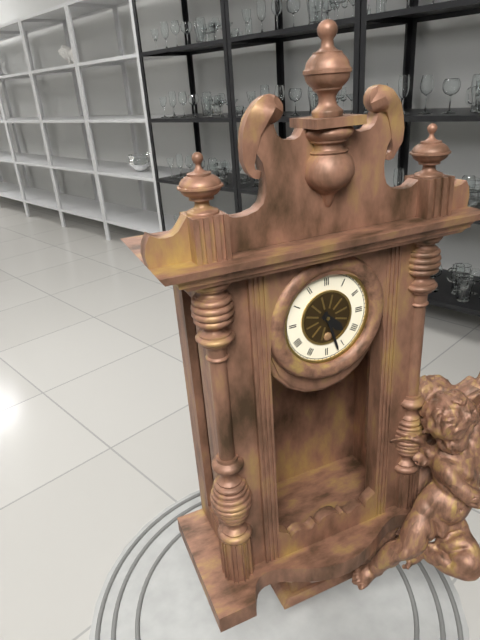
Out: 4:27
